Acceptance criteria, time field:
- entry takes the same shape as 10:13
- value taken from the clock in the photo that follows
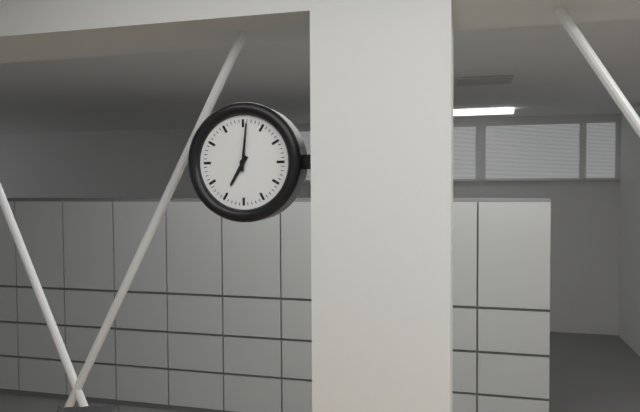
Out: 7:01
